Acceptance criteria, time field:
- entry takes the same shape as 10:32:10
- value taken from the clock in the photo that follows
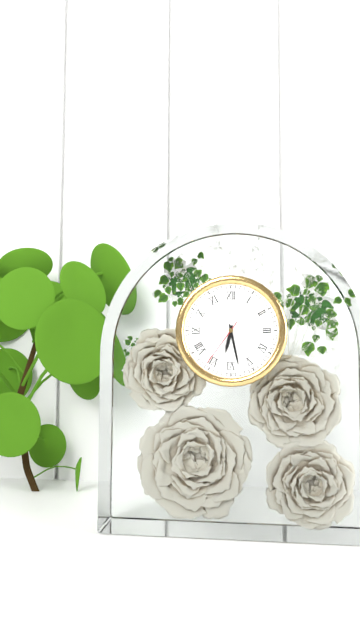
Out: 6:28:36
